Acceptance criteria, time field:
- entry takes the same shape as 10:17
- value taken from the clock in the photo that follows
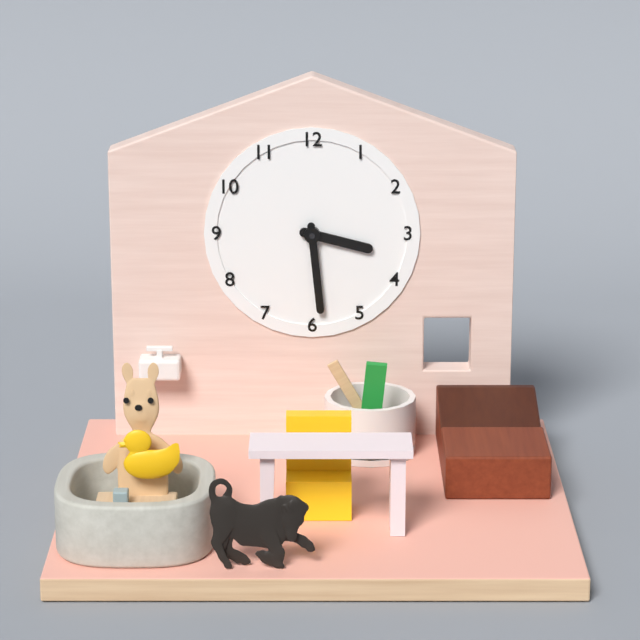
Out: 3:29
